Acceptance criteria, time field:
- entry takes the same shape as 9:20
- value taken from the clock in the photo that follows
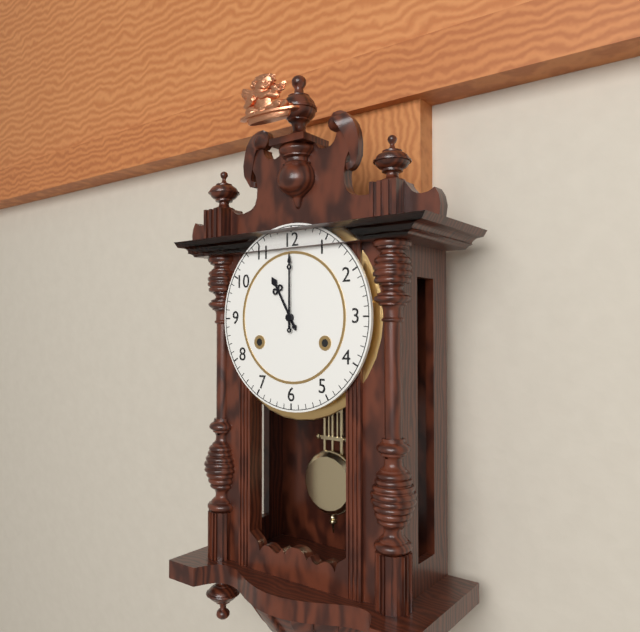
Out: 11:00
